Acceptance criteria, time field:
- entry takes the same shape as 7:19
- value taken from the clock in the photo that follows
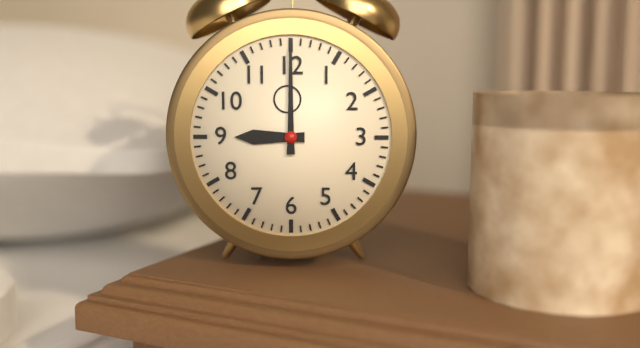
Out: 9:00
